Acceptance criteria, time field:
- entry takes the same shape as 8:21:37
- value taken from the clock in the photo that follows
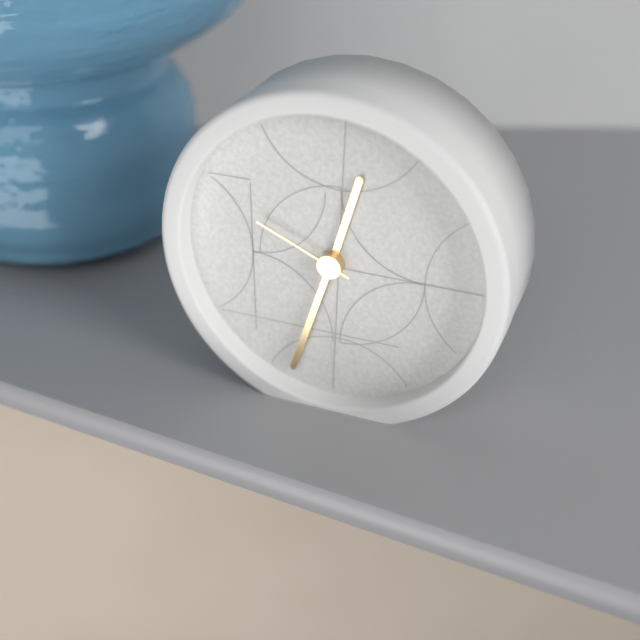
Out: 12:33:49
